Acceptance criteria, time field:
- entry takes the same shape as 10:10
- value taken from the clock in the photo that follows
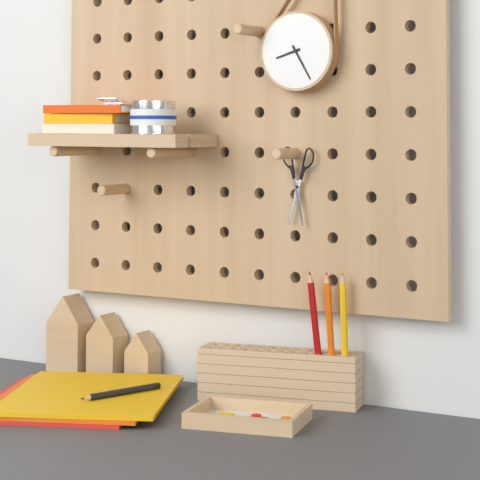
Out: 8:25
